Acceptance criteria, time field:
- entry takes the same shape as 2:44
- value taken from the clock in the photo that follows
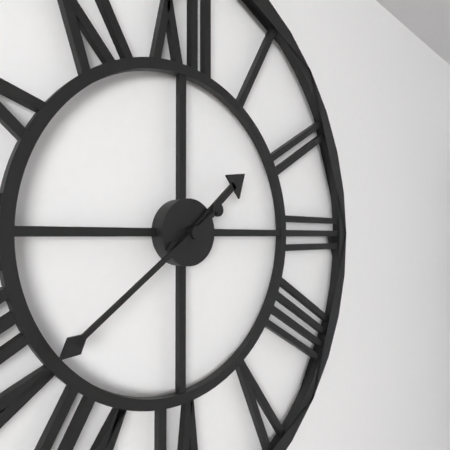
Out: 1:39
